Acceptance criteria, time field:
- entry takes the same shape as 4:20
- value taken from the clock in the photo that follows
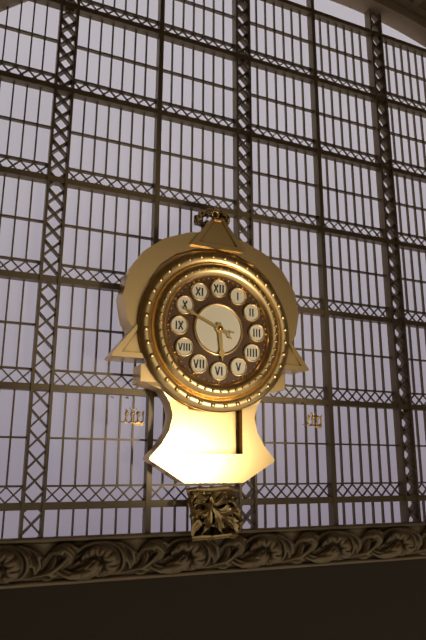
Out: 5:49
